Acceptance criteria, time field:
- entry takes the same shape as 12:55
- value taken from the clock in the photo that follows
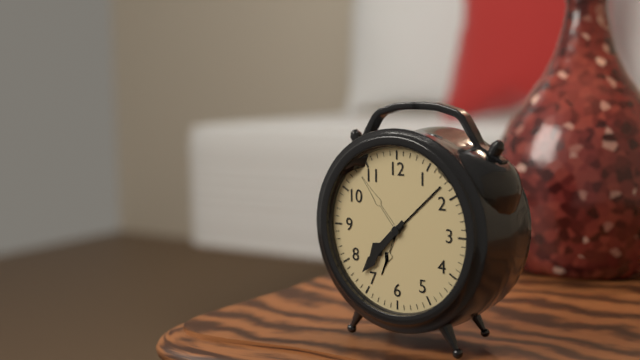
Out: 7:37
